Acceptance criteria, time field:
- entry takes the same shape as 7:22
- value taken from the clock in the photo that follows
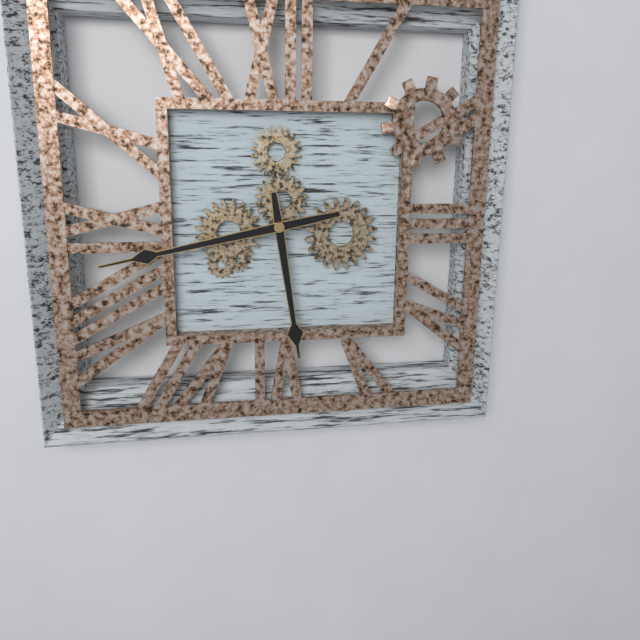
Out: 5:43
